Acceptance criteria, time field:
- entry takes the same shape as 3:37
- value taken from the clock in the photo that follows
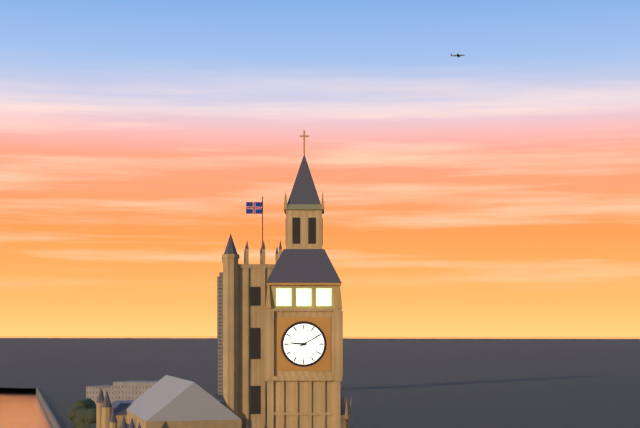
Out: 9:10
